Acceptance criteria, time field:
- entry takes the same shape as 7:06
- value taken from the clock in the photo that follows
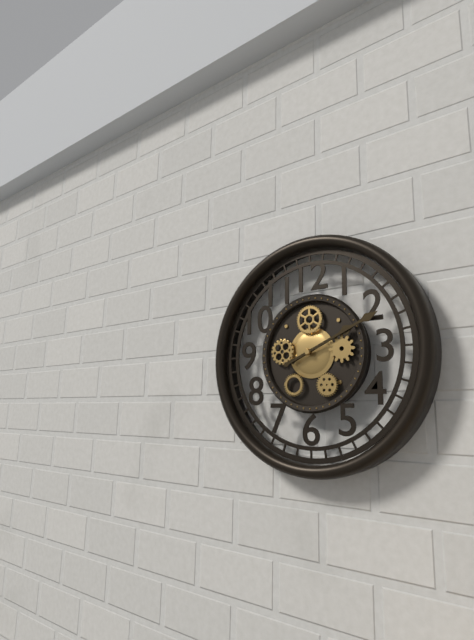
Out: 2:11
